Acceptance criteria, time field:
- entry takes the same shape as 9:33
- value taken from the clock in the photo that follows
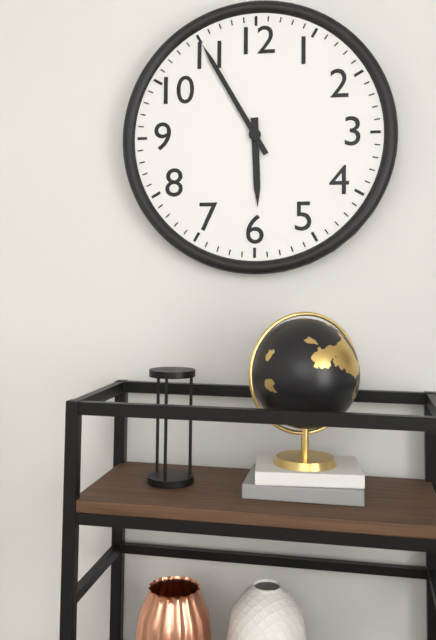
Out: 5:55
